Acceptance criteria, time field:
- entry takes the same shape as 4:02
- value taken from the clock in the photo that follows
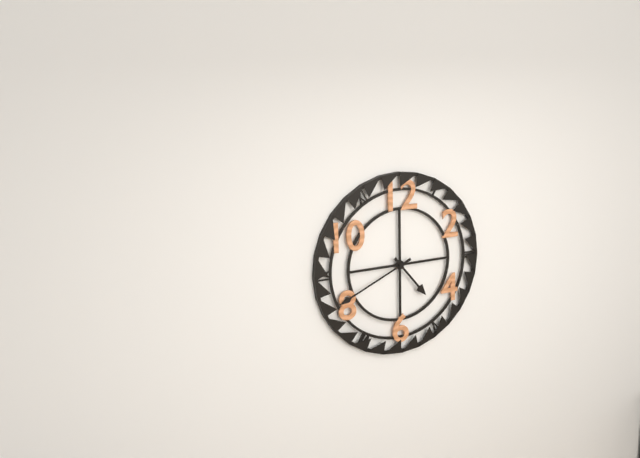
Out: 4:41
